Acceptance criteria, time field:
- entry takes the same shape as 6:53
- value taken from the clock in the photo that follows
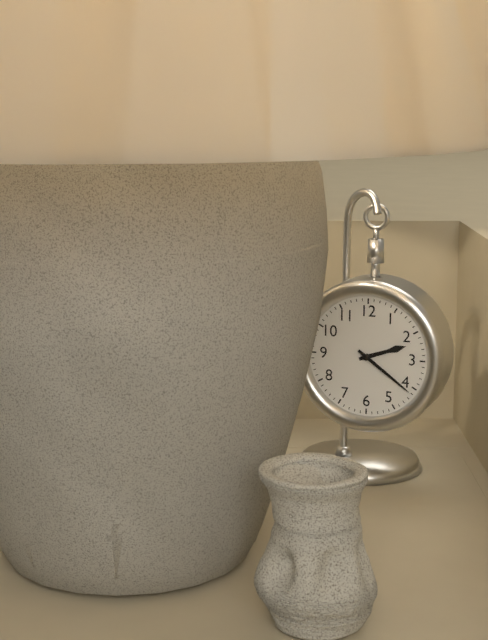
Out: 2:21
